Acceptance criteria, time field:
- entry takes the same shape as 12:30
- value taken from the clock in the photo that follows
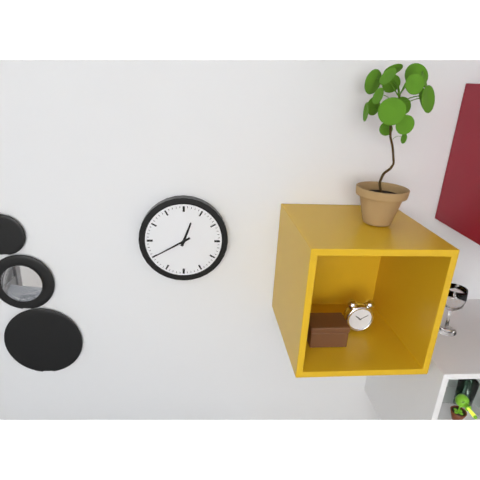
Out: 12:40
